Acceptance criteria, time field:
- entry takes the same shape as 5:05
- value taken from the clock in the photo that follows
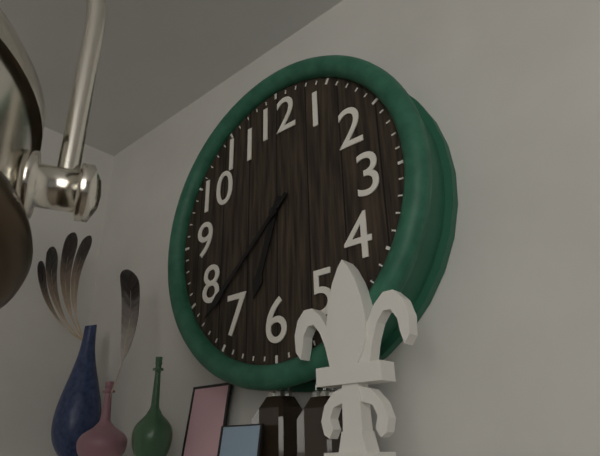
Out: 6:38
